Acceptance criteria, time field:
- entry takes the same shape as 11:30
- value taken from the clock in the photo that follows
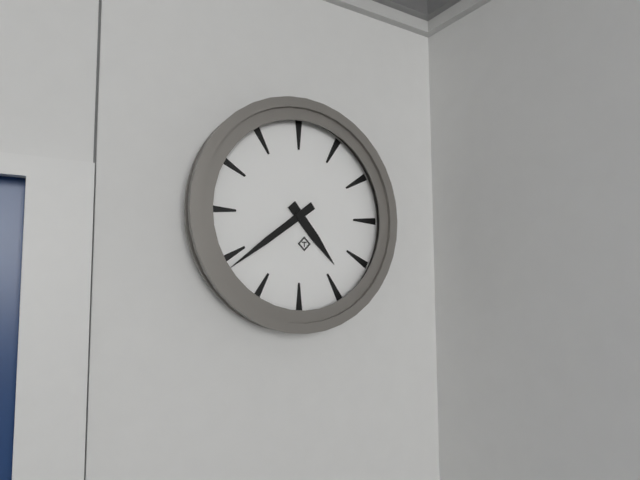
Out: 4:39
